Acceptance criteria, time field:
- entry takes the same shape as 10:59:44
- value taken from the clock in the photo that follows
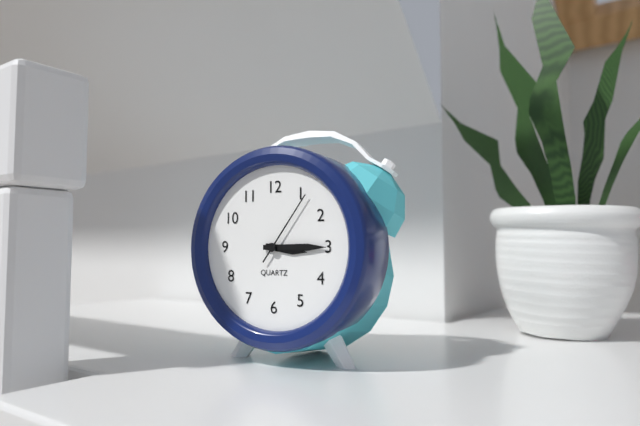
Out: 3:15:06
